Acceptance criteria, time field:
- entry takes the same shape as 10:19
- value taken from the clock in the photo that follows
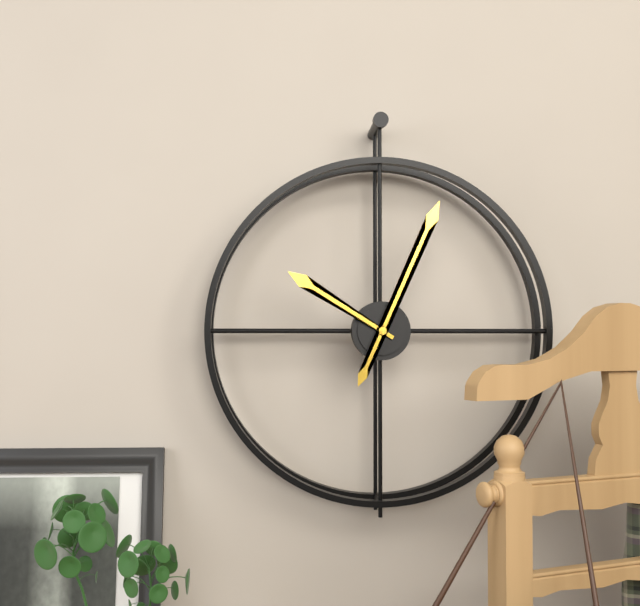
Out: 10:04
